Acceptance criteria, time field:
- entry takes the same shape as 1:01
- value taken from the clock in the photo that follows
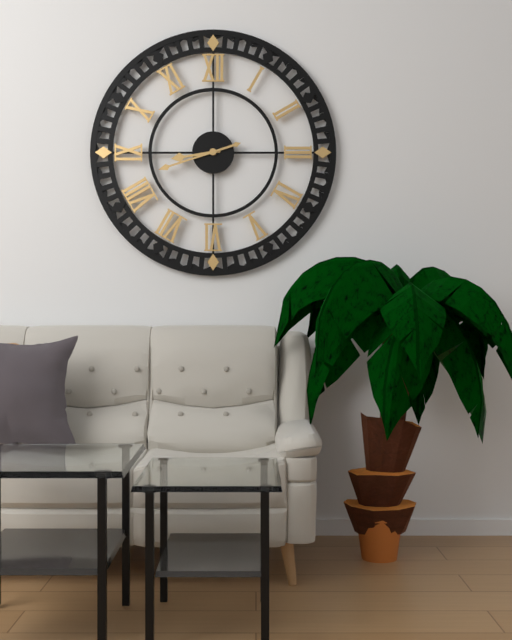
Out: 8:42
